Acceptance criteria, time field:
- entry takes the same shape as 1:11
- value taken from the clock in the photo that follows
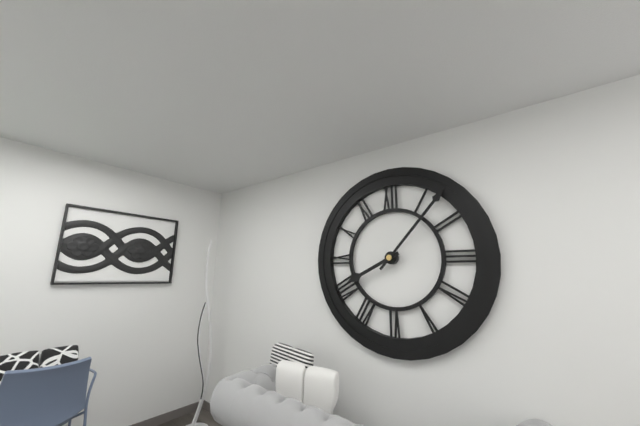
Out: 8:07
